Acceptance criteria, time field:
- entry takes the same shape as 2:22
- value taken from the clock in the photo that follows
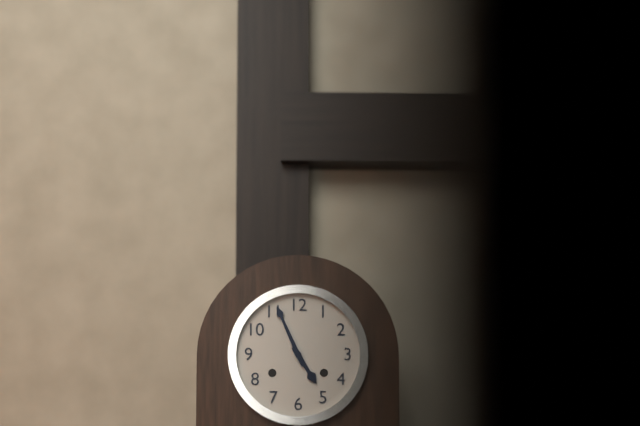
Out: 4:56
